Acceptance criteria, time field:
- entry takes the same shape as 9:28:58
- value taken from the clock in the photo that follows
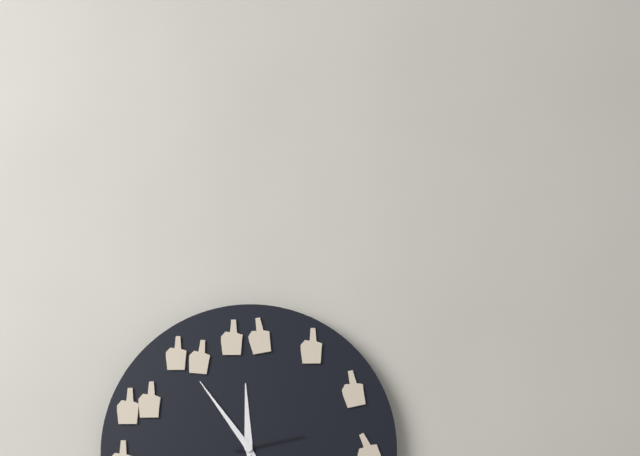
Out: 11:54:13
